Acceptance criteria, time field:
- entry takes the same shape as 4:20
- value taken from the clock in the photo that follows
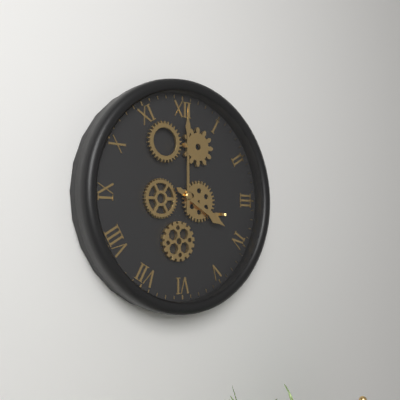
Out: 4:00
